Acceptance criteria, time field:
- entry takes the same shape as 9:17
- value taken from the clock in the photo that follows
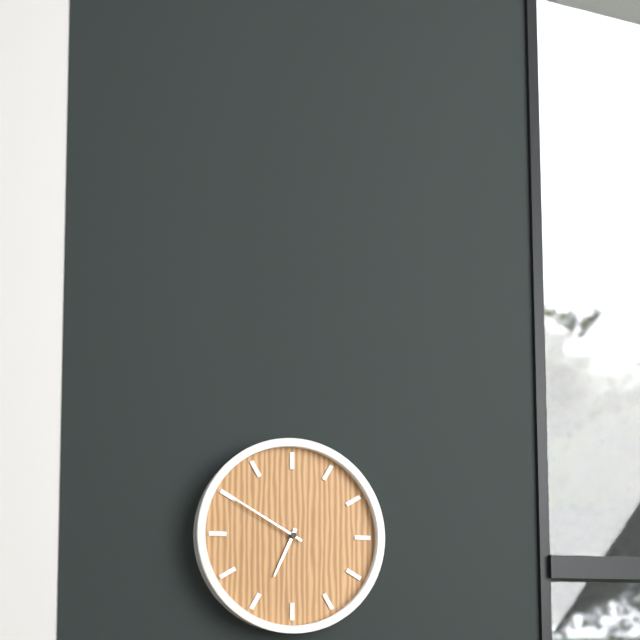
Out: 6:50
